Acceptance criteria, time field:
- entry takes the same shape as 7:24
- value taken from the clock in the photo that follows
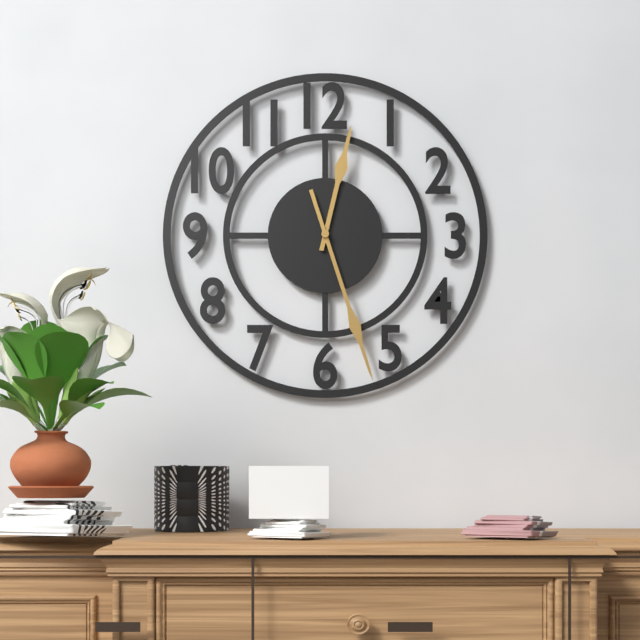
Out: 12:27
